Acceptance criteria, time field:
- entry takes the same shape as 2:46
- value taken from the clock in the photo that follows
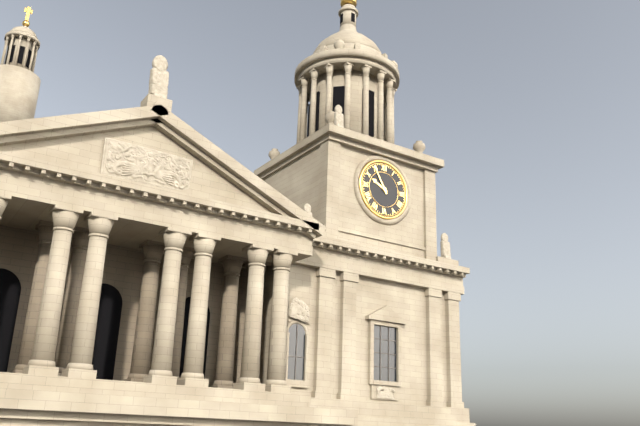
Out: 9:55
